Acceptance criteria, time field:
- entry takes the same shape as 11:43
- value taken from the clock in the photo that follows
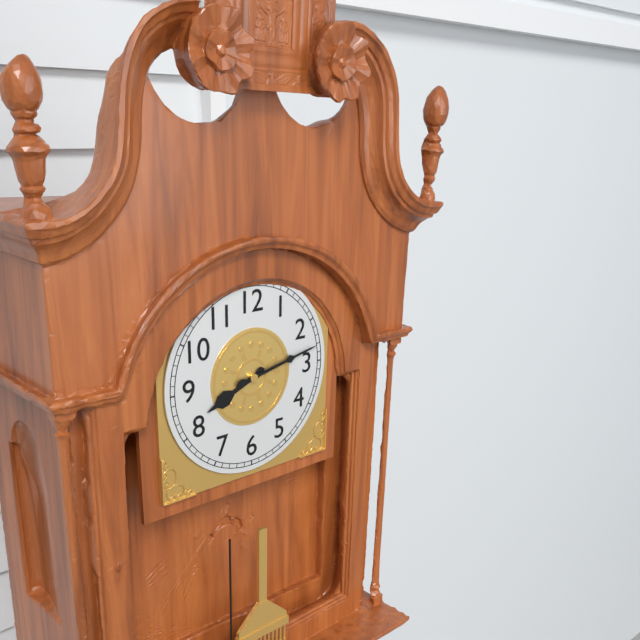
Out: 8:13
